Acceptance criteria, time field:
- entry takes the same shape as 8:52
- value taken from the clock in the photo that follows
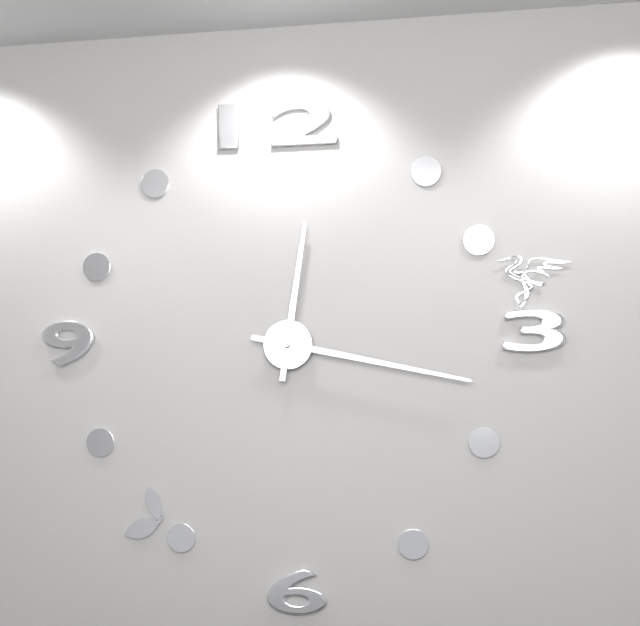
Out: 12:17
